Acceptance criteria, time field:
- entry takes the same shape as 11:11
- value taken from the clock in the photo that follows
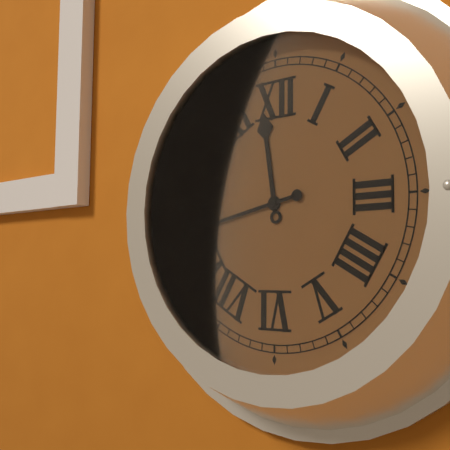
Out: 11:43
